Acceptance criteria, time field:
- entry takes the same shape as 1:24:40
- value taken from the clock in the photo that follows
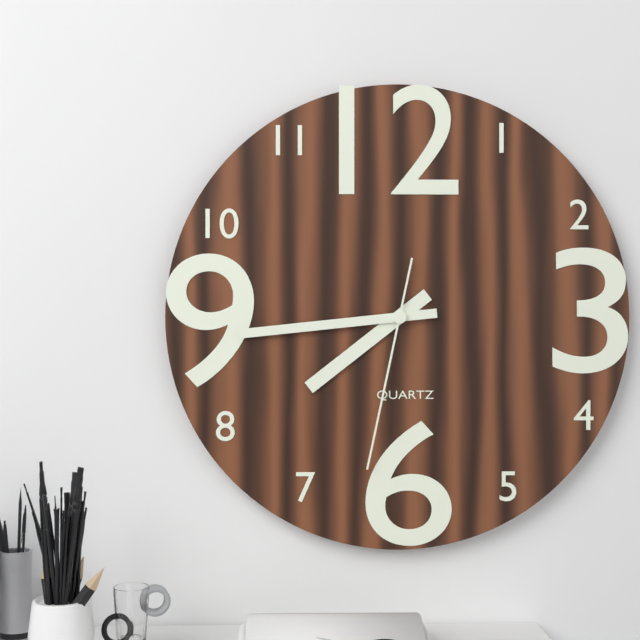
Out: 7:44:32
